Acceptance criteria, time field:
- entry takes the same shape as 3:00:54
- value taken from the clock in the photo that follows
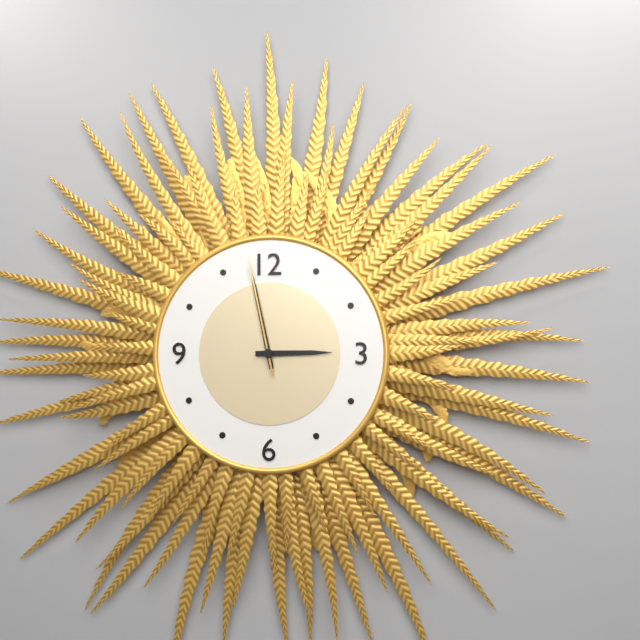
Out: 2:58:58
